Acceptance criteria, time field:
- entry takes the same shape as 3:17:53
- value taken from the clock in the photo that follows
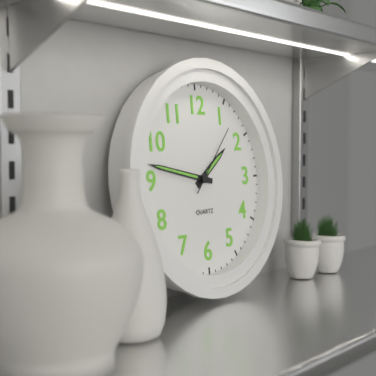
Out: 1:47:07
